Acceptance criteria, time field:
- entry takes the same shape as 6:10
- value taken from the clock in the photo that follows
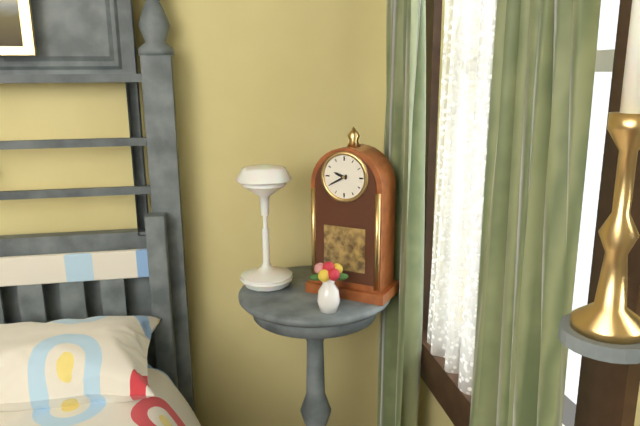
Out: 9:40
